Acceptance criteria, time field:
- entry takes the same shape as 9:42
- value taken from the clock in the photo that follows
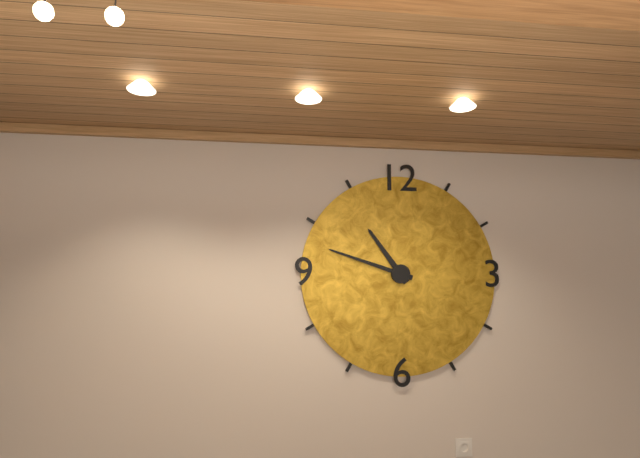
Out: 10:48
